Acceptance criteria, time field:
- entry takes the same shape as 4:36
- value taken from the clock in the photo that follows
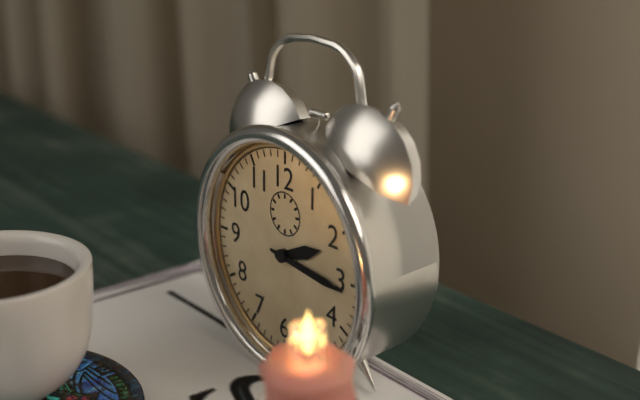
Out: 2:16
